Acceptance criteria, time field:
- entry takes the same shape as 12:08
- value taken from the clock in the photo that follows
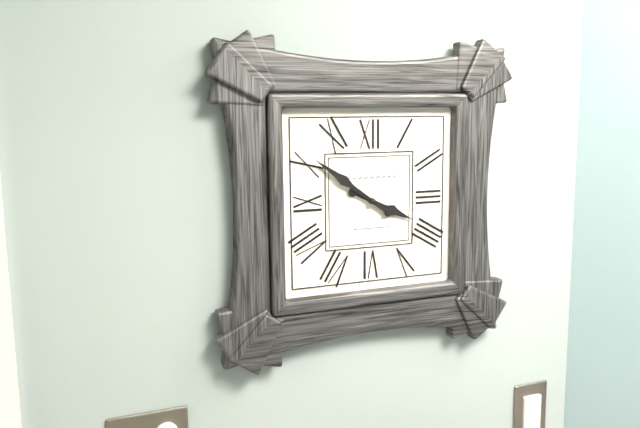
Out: 3:51
